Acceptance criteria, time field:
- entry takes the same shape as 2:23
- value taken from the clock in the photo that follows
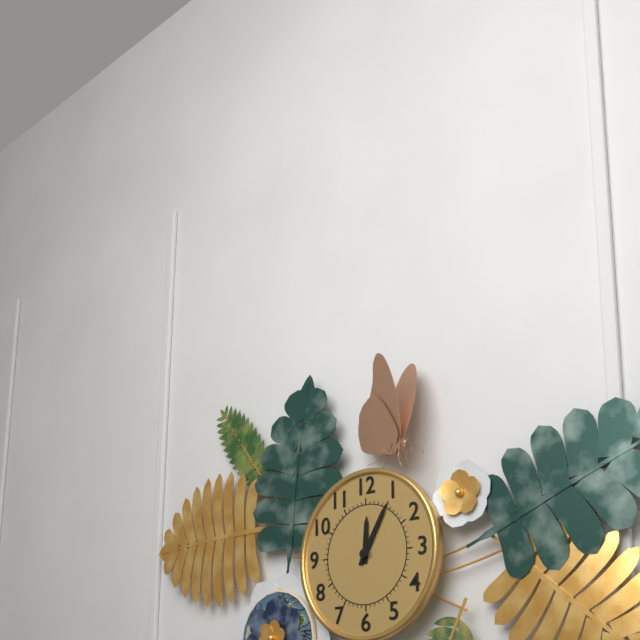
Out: 12:05
